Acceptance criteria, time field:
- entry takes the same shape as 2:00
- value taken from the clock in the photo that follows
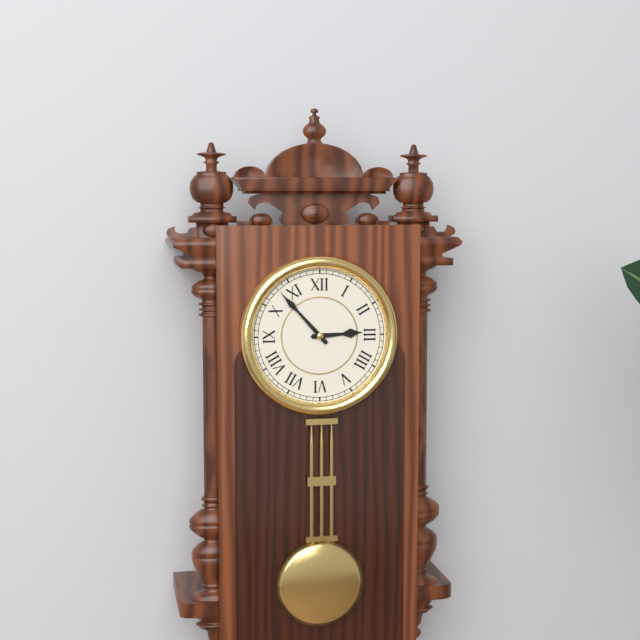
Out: 2:53
